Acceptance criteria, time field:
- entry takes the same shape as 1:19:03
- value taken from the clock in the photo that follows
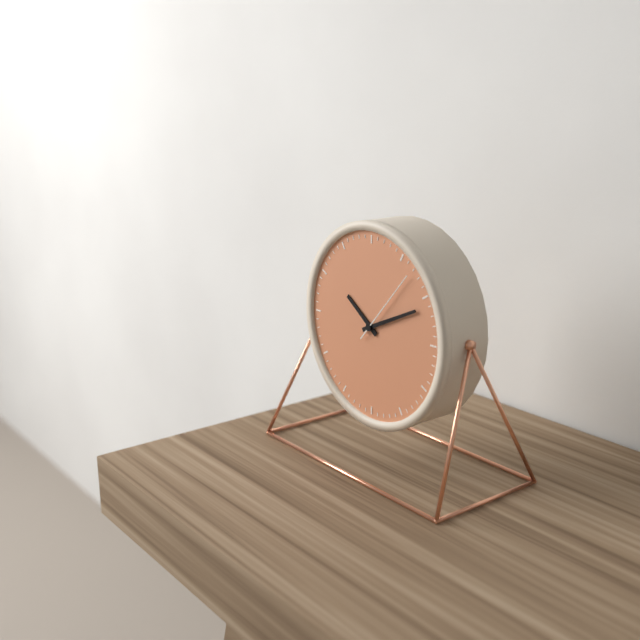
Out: 10:11:07
